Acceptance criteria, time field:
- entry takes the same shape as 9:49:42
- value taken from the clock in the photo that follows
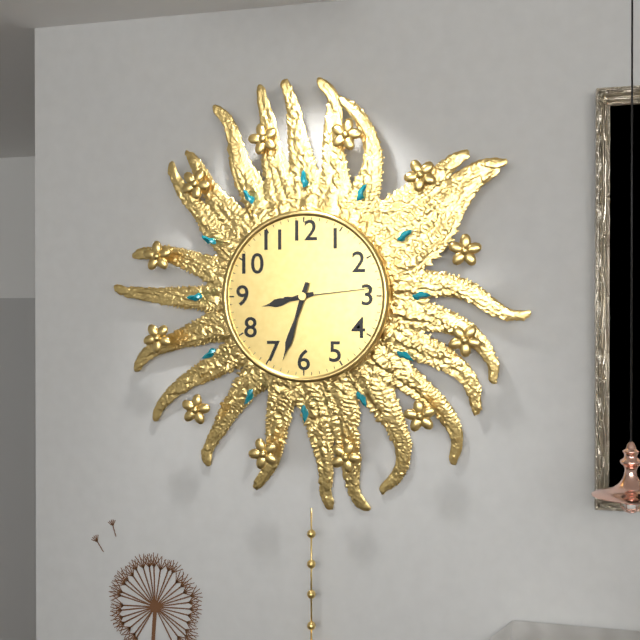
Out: 8:33:14
